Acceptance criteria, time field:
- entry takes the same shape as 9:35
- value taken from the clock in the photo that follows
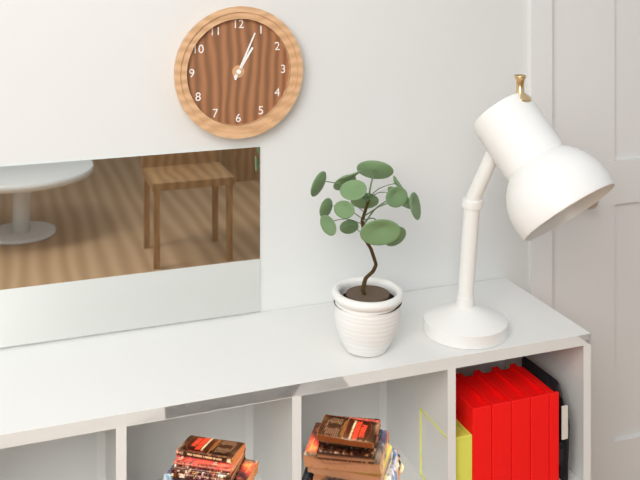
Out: 1:04
